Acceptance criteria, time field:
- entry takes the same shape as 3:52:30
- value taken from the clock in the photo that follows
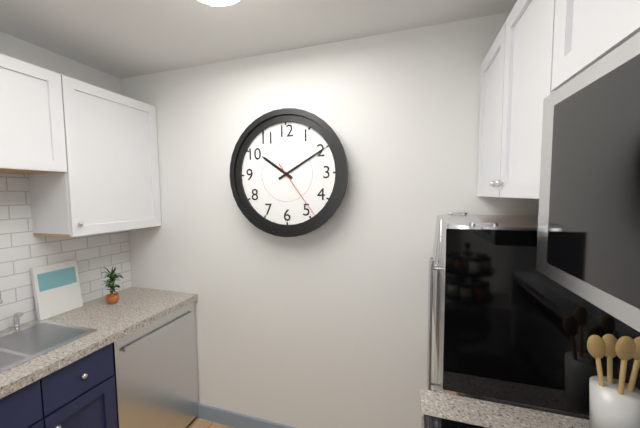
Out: 10:10:24
